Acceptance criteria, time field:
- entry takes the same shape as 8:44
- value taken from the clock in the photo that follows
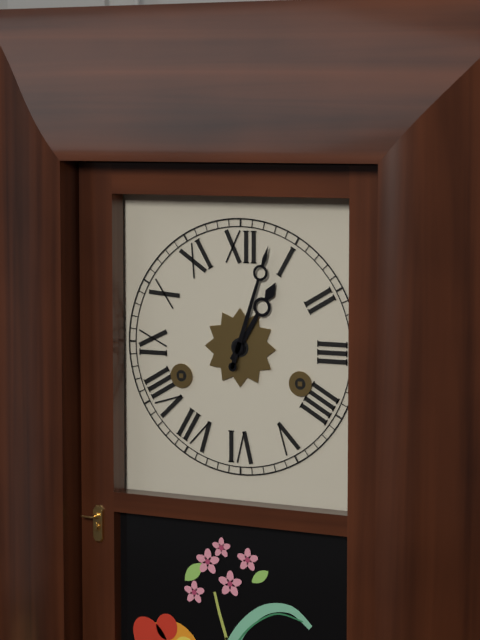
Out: 1:03
